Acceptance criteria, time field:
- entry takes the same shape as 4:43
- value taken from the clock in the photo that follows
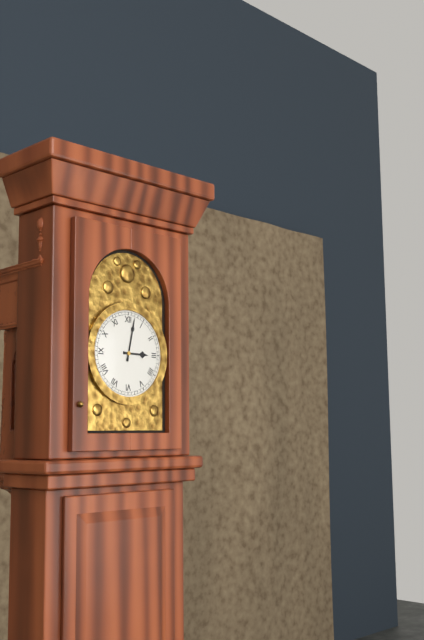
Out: 3:02
